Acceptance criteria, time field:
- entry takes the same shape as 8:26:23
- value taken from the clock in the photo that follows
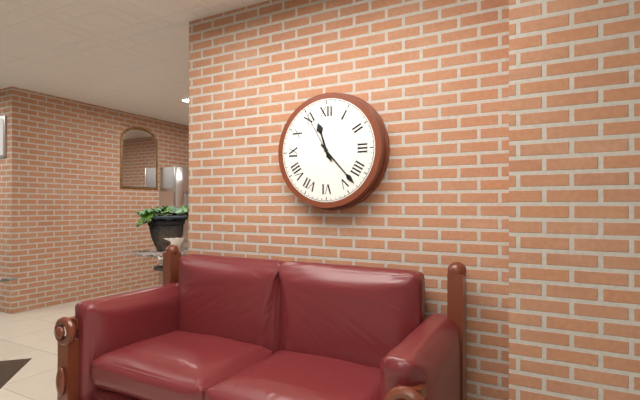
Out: 11:23:55
